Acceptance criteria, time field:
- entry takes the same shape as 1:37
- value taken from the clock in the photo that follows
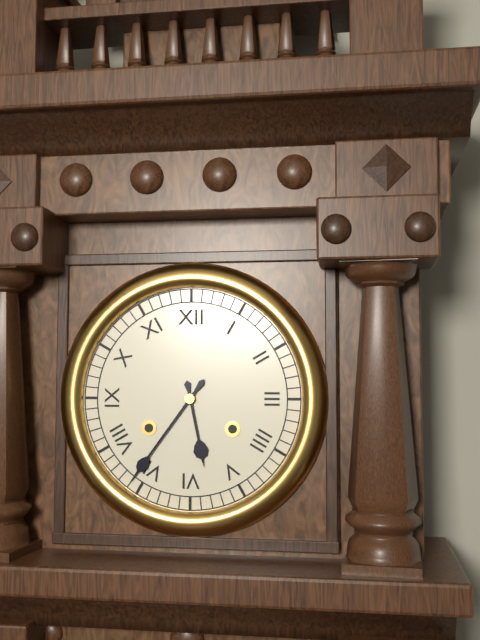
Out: 5:36
